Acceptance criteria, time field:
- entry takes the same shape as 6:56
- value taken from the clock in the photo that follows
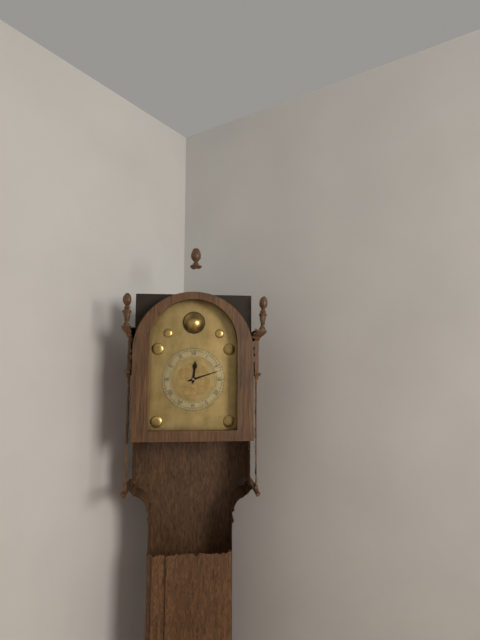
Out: 12:12
